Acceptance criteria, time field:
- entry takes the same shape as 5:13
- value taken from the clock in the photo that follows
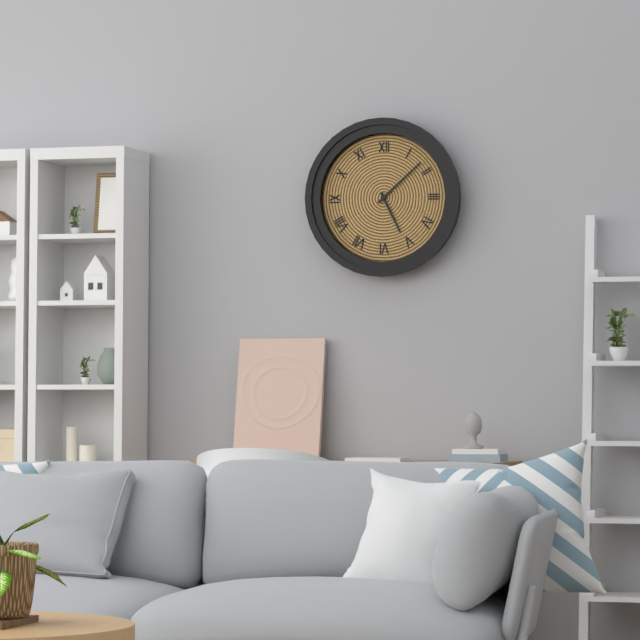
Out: 5:08
